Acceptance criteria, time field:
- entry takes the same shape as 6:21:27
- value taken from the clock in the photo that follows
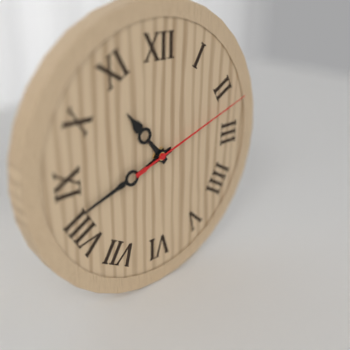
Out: 10:42:12
